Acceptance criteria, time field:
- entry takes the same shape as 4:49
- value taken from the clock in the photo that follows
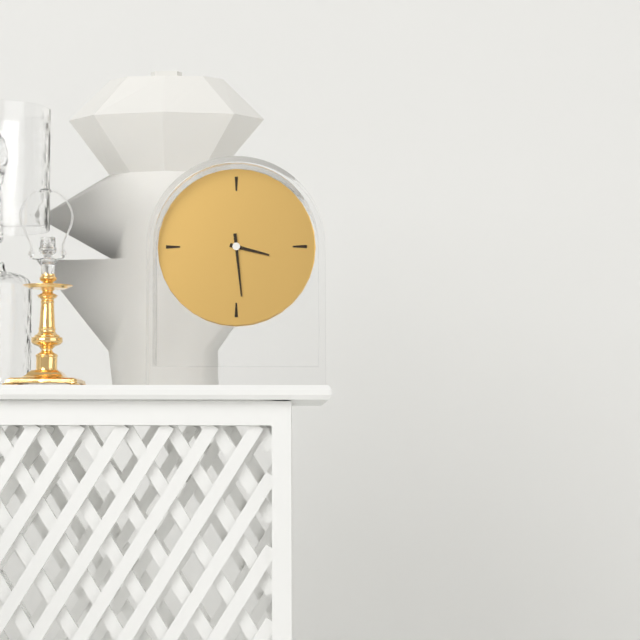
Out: 3:29
